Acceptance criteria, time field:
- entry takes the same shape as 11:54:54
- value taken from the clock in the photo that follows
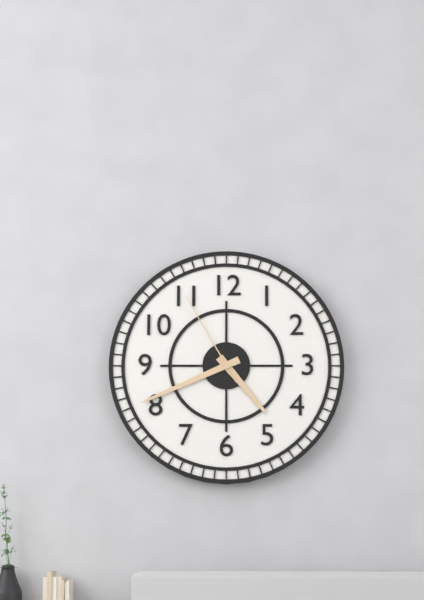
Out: 4:41:55
